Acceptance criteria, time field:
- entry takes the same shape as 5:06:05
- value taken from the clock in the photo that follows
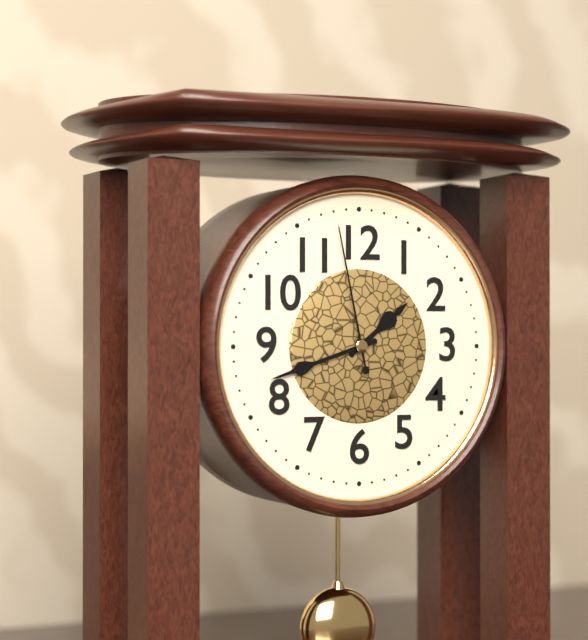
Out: 1:42:58
